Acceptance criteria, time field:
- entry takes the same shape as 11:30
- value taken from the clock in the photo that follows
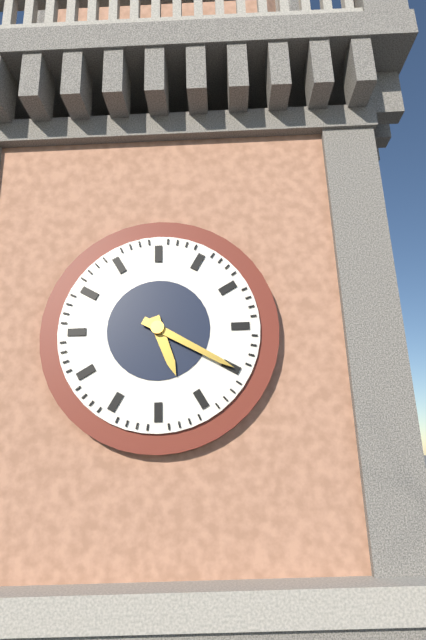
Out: 5:20
